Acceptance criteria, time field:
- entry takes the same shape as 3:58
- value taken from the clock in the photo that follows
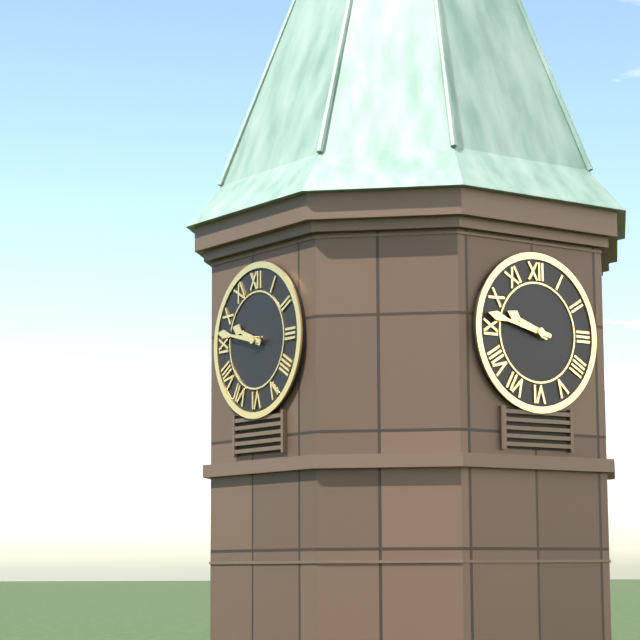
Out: 9:47
